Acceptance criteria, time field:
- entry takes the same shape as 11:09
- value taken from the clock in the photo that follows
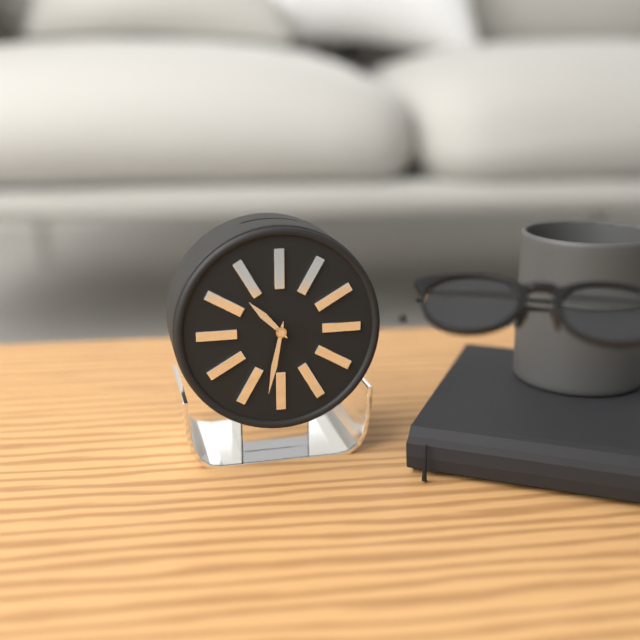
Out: 10:32
